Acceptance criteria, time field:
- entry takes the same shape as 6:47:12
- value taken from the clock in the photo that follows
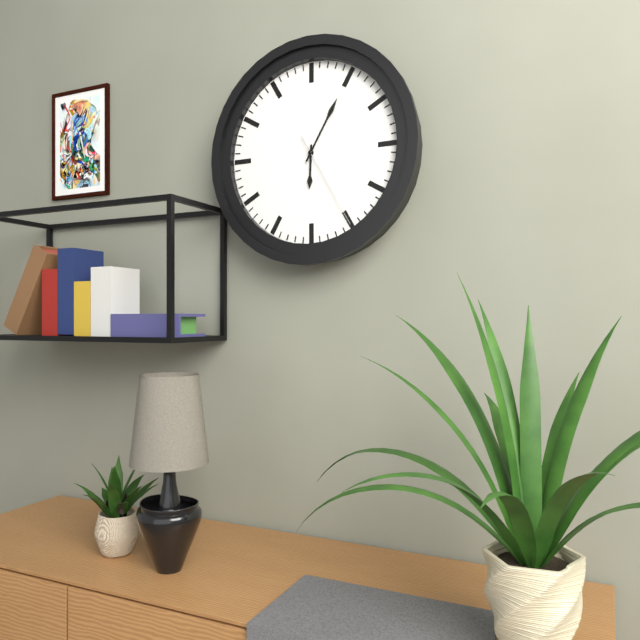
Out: 6:05:25
